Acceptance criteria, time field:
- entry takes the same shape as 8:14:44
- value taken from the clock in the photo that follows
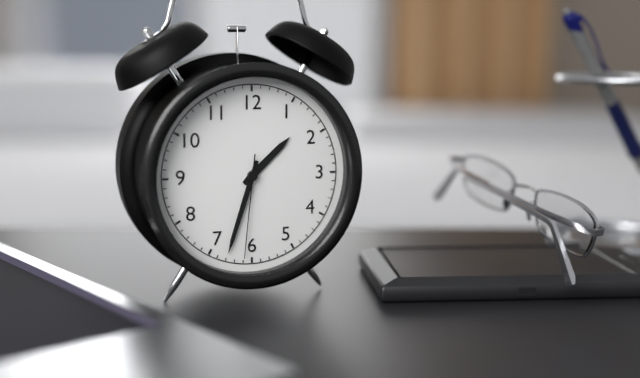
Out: 1:33:31
